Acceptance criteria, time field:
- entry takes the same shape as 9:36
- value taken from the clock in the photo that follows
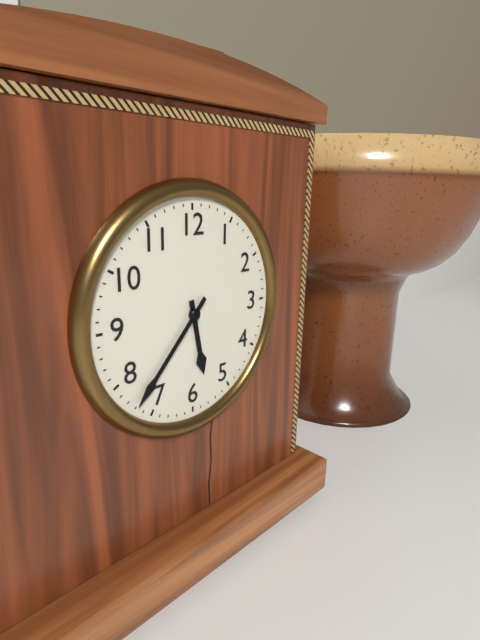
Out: 5:37
